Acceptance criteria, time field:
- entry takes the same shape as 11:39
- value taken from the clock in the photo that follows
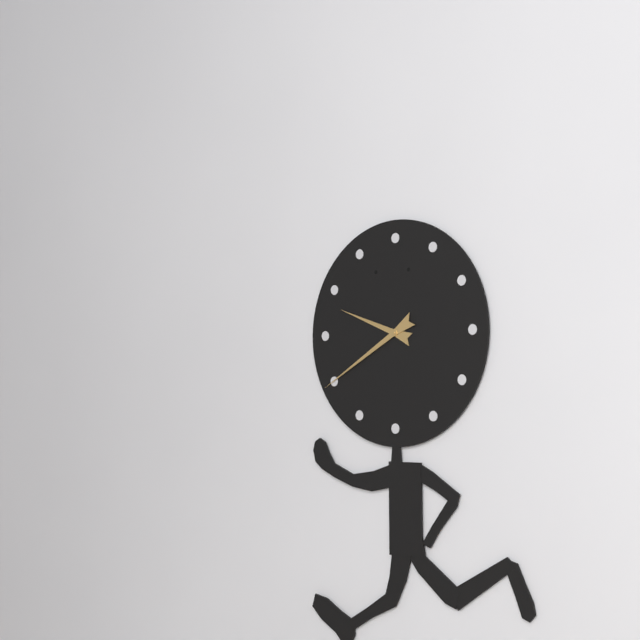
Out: 9:40
